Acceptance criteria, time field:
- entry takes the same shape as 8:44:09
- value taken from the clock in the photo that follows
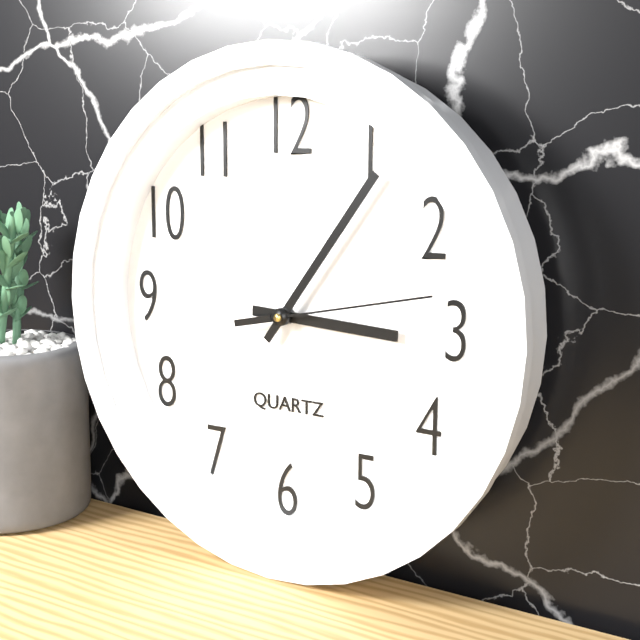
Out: 3:06:13
